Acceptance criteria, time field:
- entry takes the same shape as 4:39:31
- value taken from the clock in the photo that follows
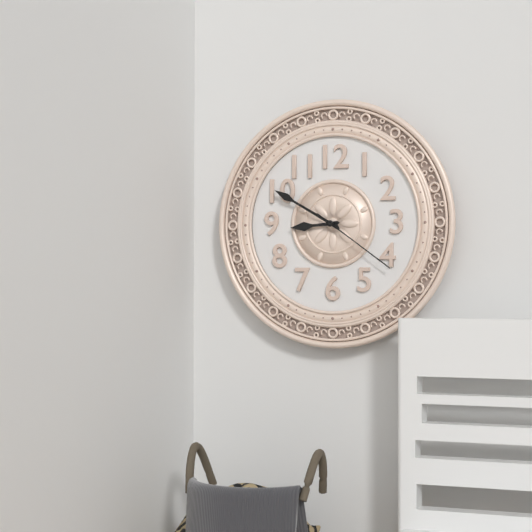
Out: 8:50:21
